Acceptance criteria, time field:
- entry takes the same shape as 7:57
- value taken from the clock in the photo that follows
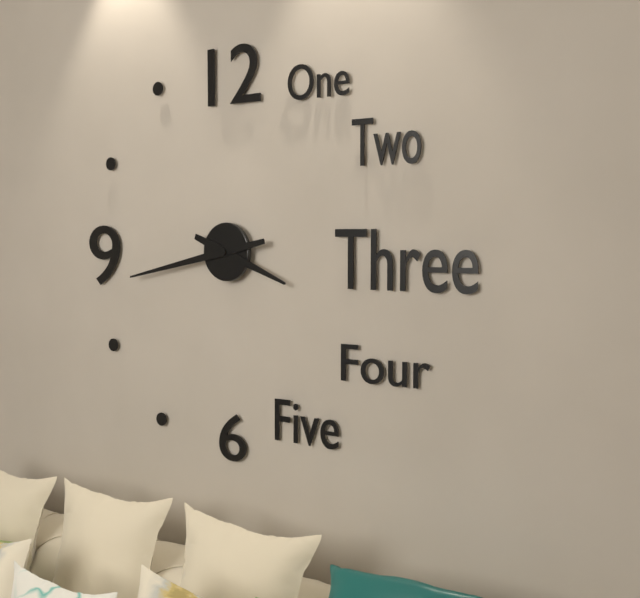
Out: 3:43
